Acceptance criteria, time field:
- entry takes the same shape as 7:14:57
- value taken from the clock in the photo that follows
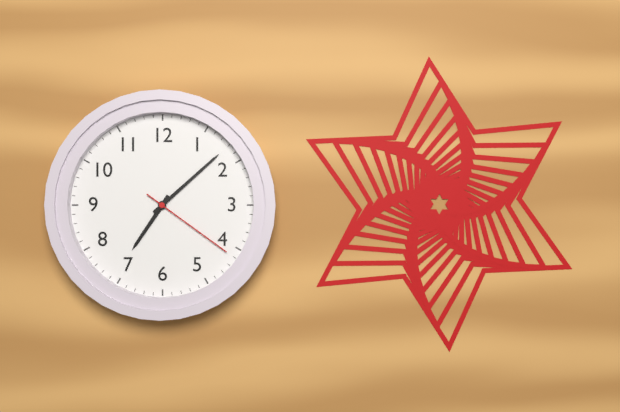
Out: 7:08:21
